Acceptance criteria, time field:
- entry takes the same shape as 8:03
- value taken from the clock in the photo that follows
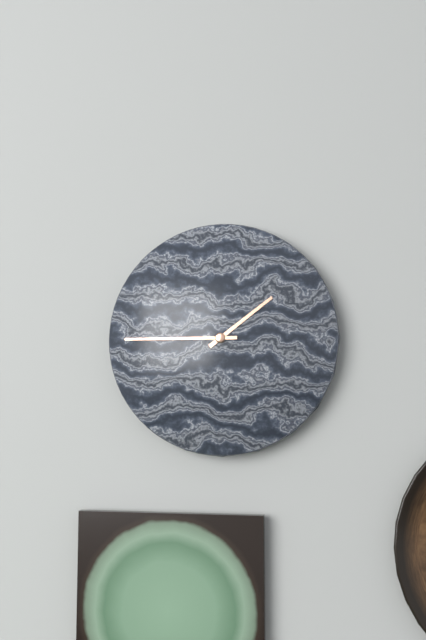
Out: 1:45
